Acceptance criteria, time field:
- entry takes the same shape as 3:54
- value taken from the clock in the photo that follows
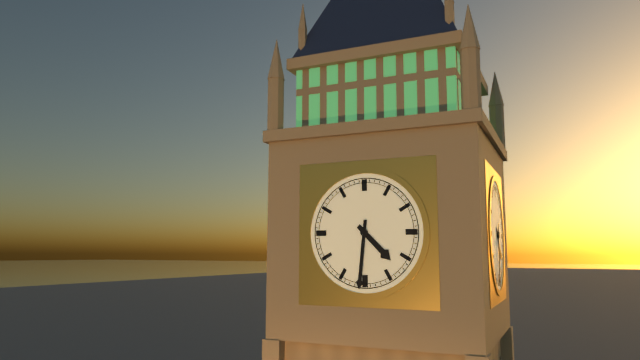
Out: 4:31
